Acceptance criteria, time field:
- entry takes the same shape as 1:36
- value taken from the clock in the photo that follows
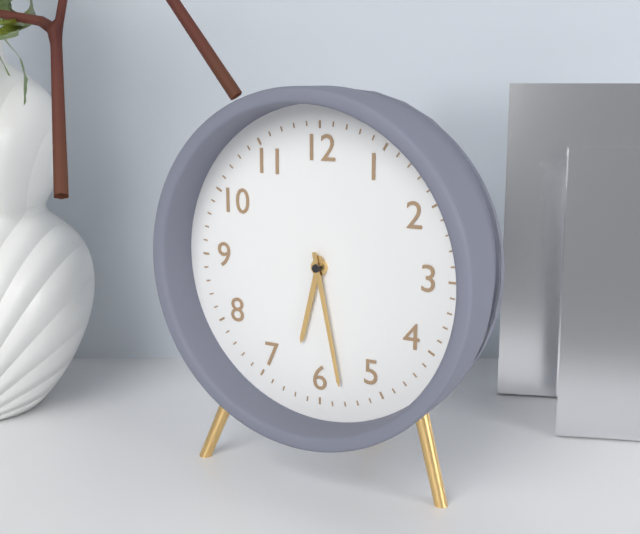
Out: 6:28
